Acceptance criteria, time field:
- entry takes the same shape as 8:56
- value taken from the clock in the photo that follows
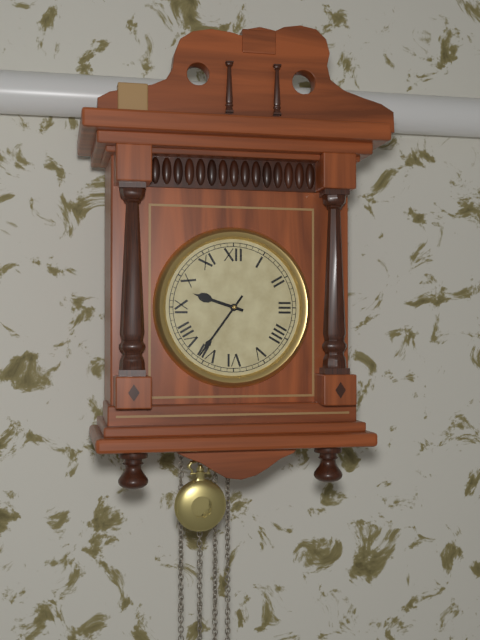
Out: 9:36
